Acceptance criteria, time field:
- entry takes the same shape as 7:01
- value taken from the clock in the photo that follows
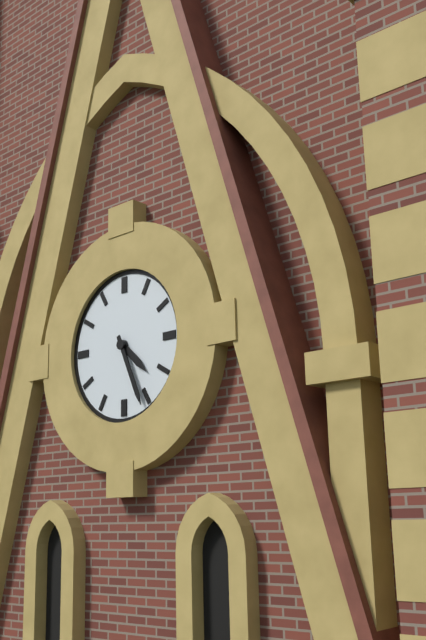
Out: 4:26
